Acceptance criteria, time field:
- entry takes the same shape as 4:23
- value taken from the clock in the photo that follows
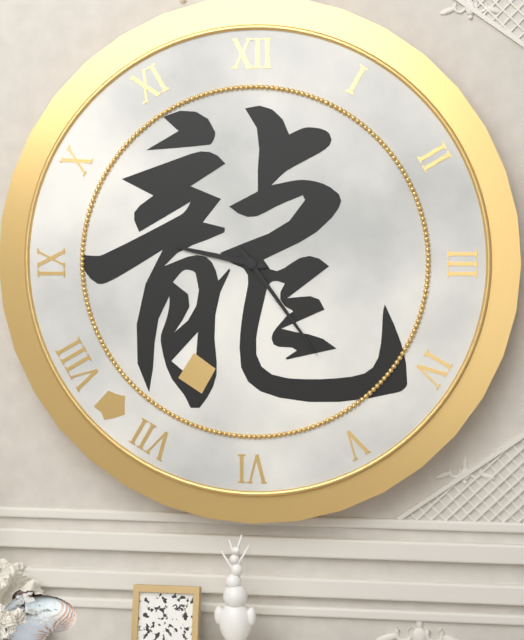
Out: 9:24
